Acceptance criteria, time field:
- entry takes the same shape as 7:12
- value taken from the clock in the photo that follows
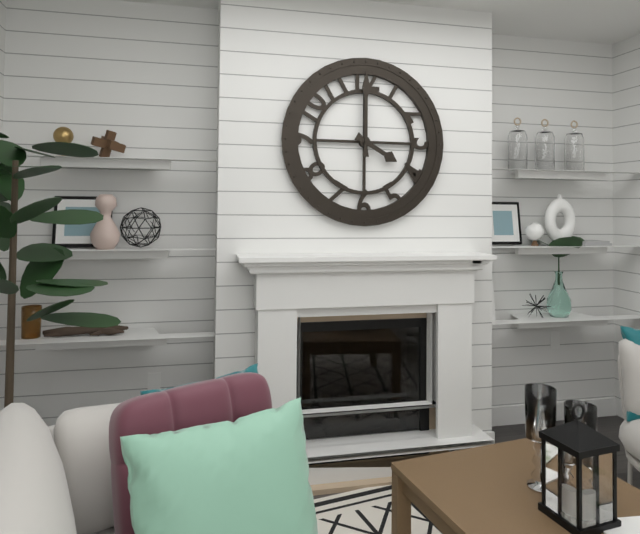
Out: 4:00
